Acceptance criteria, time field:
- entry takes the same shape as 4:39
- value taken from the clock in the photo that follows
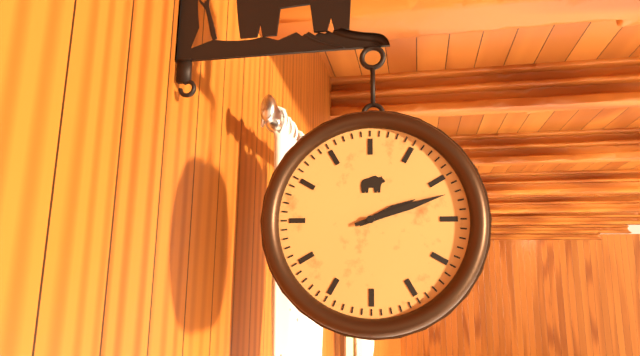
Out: 2:12
